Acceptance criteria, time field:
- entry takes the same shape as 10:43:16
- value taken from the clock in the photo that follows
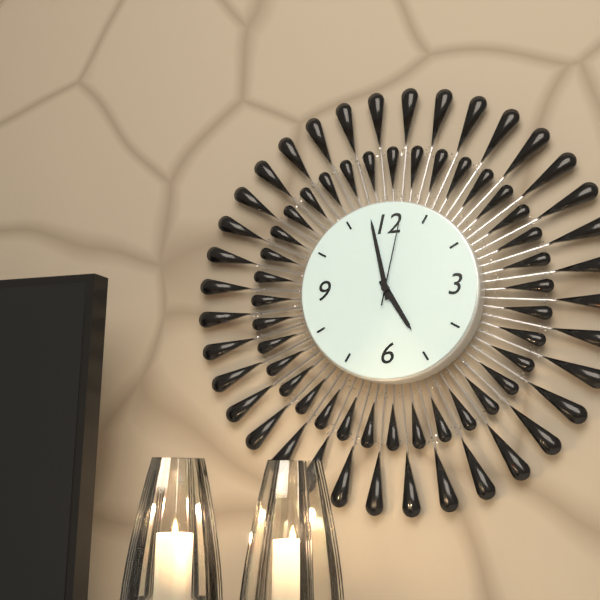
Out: 4:58:02
